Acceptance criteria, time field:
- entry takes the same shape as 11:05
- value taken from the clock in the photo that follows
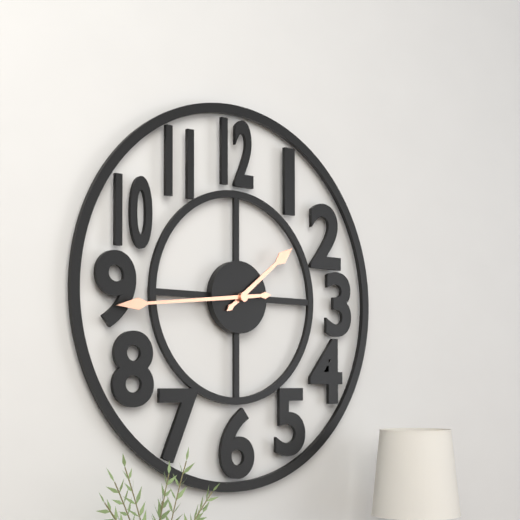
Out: 1:44
